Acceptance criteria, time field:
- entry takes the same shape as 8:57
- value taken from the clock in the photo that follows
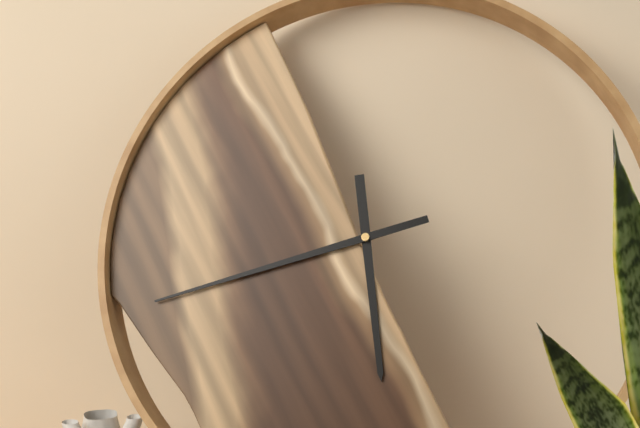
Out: 5:42
